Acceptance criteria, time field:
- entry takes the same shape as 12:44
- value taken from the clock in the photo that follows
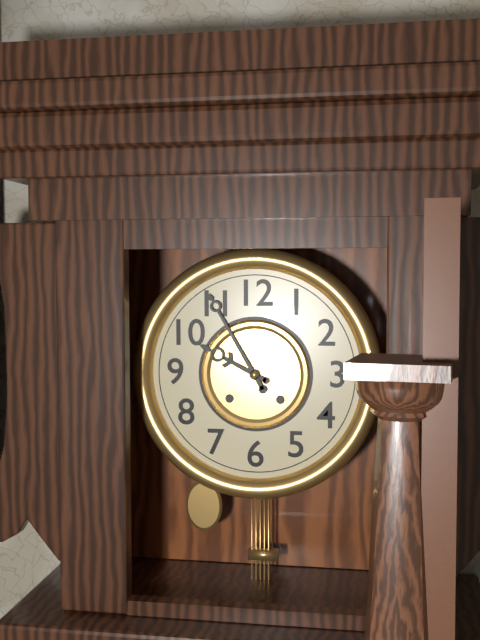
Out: 9:55
